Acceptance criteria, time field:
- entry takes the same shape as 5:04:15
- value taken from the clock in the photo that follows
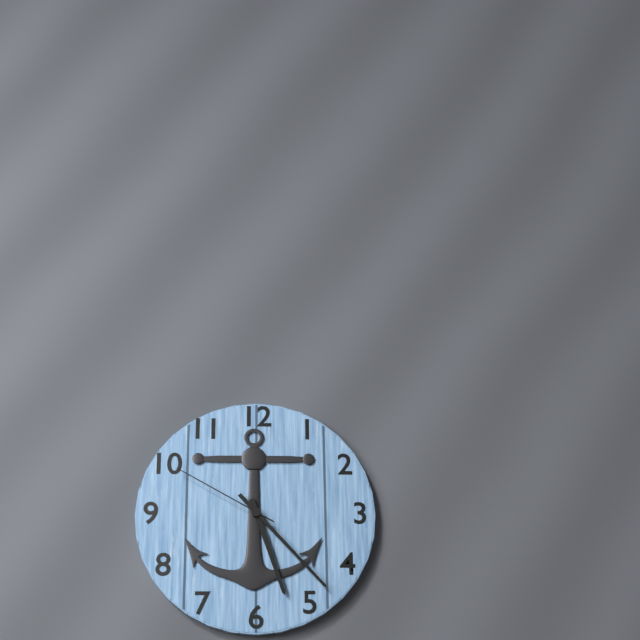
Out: 5:23:50
